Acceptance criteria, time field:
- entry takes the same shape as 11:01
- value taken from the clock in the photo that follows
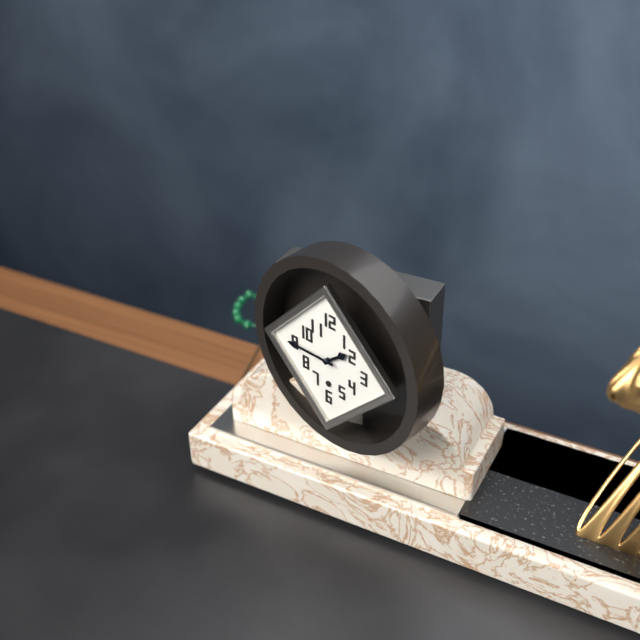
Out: 1:45
